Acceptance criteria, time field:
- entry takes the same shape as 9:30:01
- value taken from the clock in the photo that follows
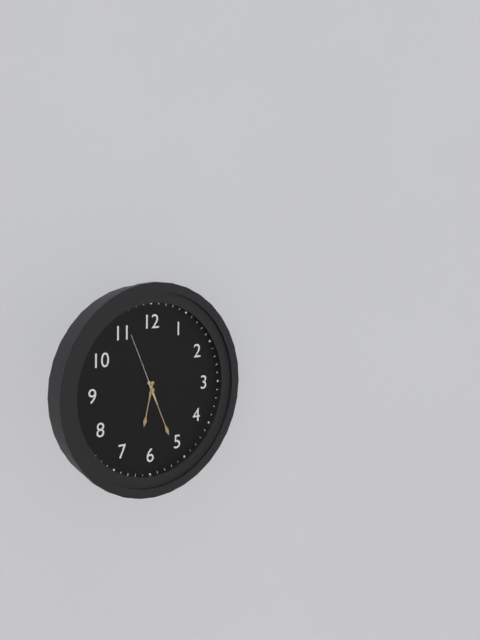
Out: 6:26:56
